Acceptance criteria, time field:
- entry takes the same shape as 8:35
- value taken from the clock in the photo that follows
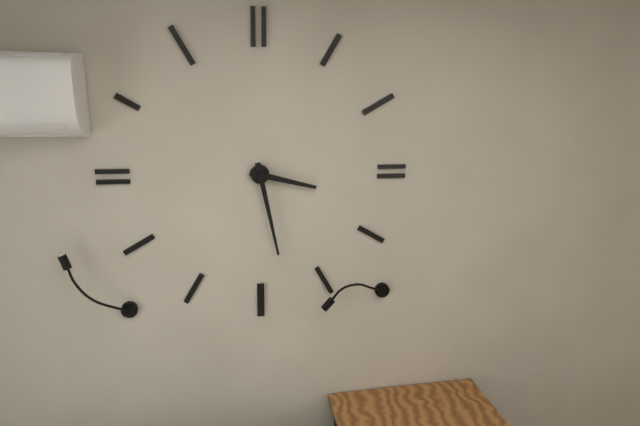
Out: 3:28
